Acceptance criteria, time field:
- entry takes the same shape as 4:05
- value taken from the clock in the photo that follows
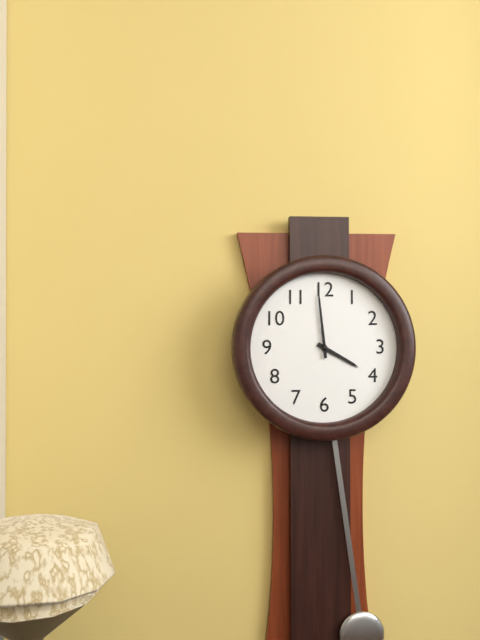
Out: 3:59
